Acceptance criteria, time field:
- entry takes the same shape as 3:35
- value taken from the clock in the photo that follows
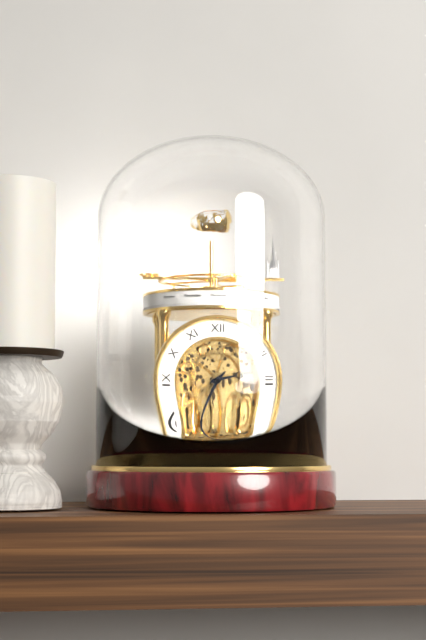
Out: 2:37
